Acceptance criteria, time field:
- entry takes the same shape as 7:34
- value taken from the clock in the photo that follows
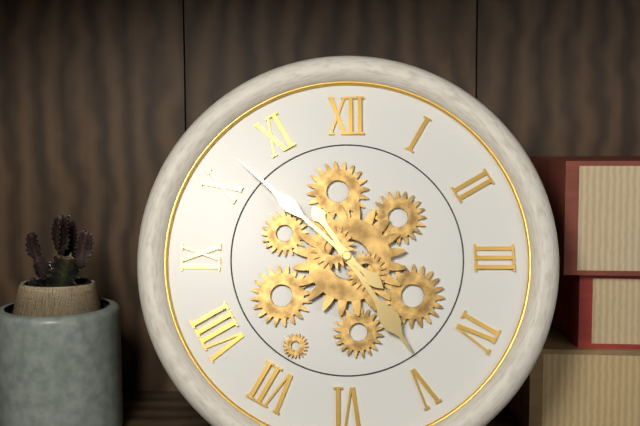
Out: 4:52
